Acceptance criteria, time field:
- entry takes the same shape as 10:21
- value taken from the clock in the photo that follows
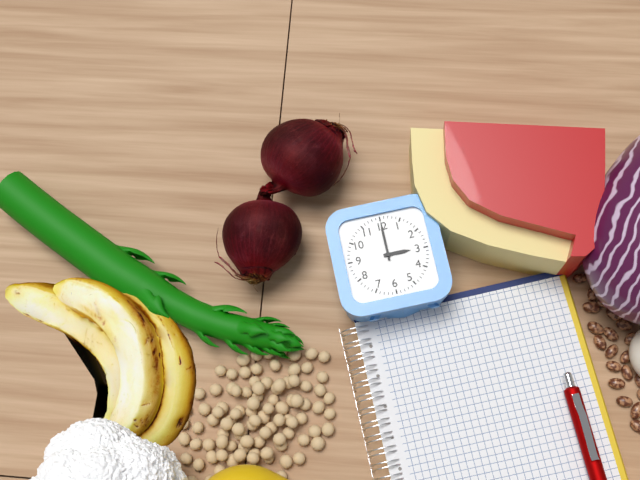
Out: 3:00
